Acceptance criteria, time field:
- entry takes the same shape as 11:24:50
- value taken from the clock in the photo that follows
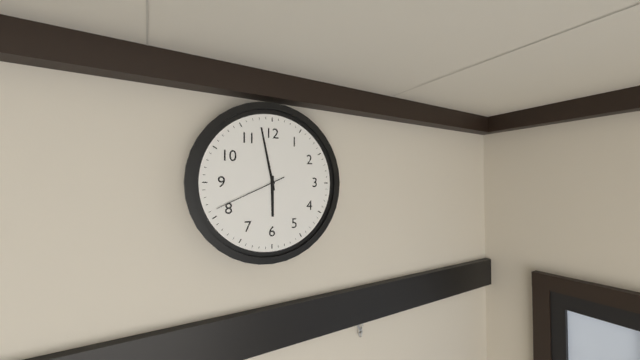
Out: 5:58:41
